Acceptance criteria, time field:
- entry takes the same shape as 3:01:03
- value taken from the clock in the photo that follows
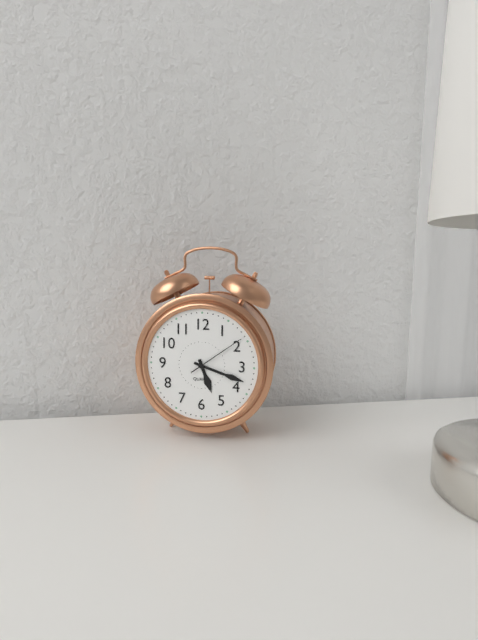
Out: 5:18:09
